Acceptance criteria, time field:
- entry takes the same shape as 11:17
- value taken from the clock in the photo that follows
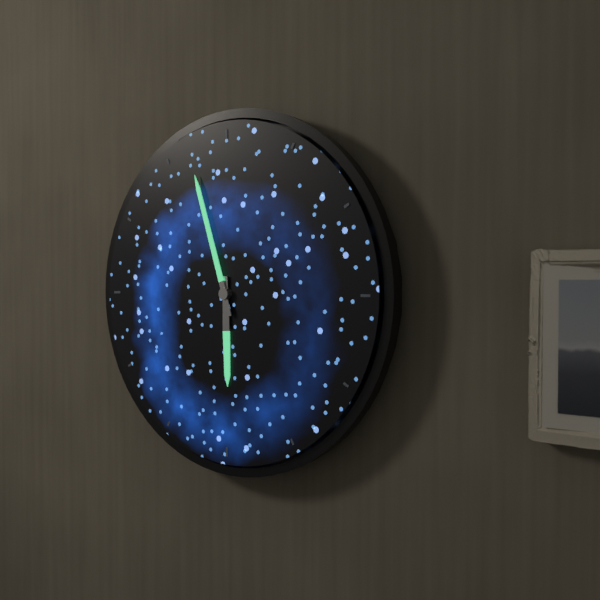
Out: 5:57
